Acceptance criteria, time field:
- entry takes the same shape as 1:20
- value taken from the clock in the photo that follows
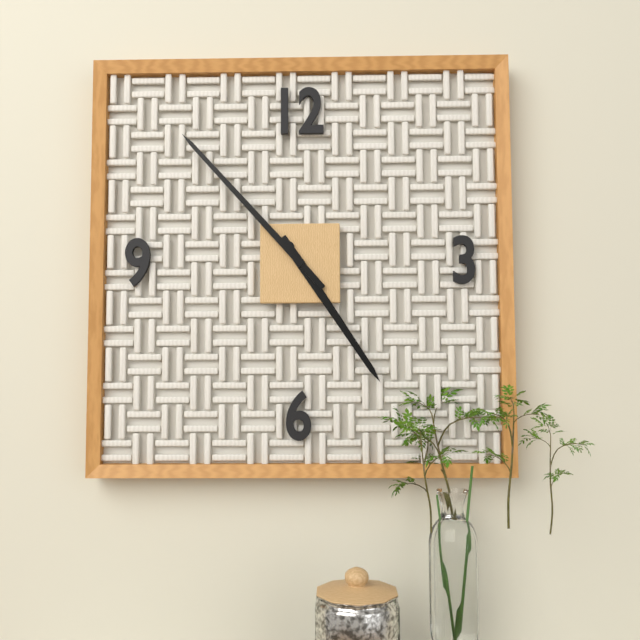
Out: 4:53
